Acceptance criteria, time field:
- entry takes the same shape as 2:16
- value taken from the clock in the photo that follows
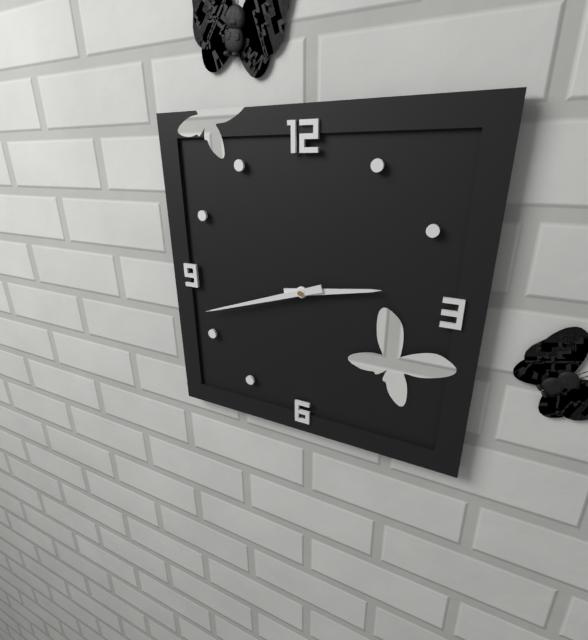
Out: 2:42
